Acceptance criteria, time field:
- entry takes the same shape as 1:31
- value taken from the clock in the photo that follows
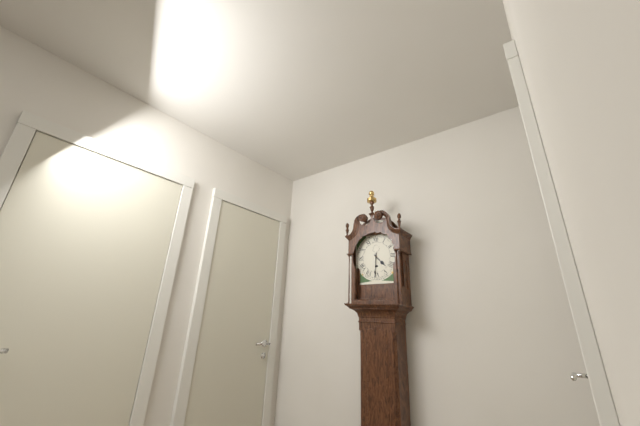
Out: 4:31
